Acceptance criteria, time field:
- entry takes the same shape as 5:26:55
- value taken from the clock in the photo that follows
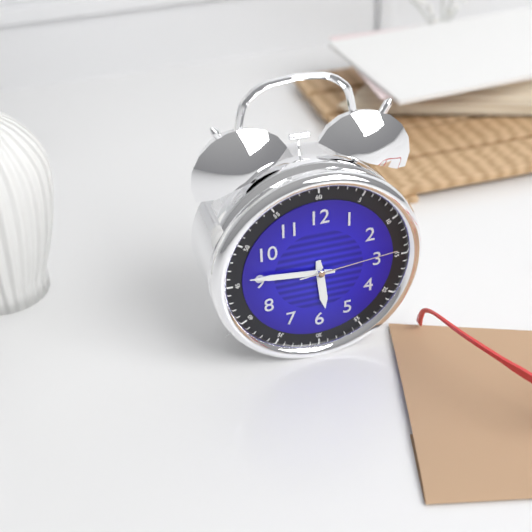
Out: 5:46:14
